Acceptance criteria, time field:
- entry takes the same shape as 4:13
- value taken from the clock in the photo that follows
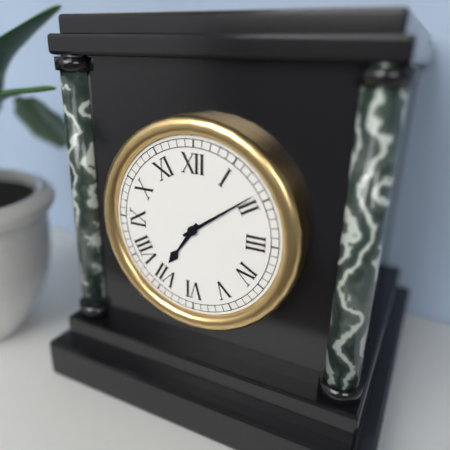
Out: 7:09
